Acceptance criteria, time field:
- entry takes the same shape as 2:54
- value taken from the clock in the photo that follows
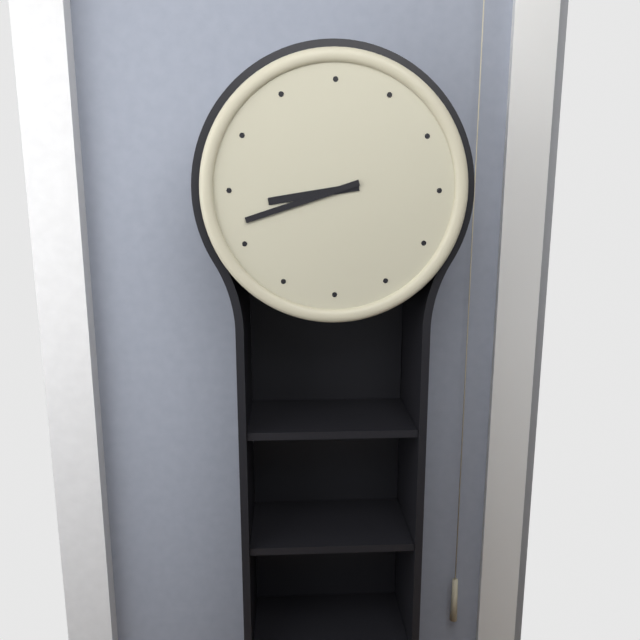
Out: 8:42
